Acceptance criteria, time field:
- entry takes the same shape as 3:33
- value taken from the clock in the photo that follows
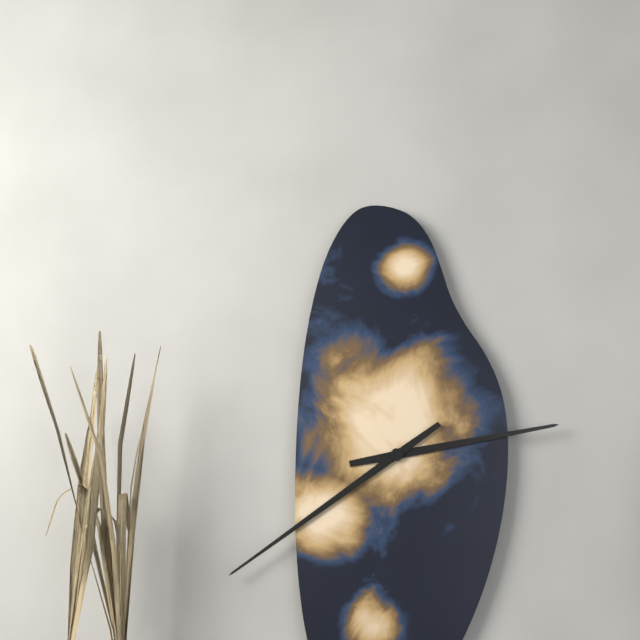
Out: 2:39
